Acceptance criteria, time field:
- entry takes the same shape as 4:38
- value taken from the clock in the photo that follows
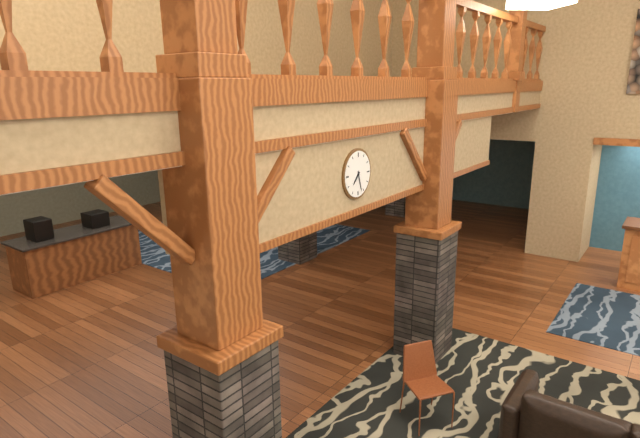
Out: 7:27
